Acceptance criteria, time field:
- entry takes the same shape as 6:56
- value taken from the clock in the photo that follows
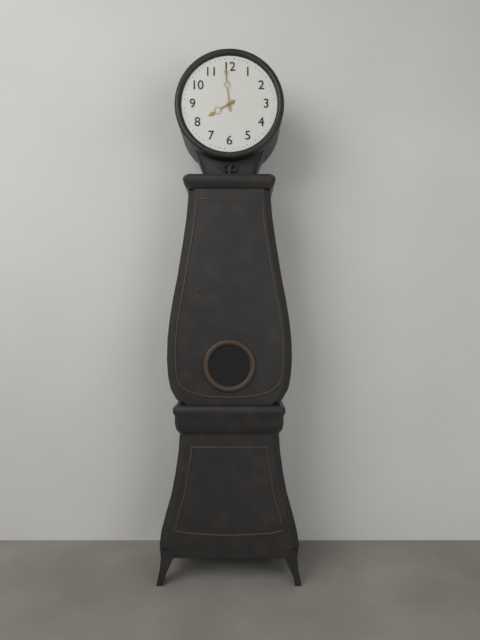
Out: 7:59
